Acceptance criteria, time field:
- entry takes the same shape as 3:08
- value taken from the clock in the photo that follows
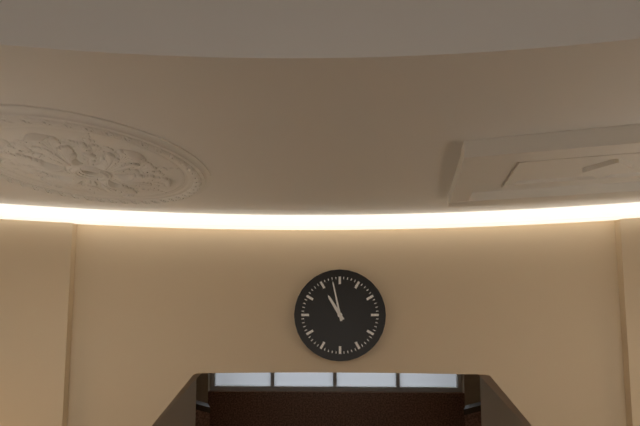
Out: 10:58
